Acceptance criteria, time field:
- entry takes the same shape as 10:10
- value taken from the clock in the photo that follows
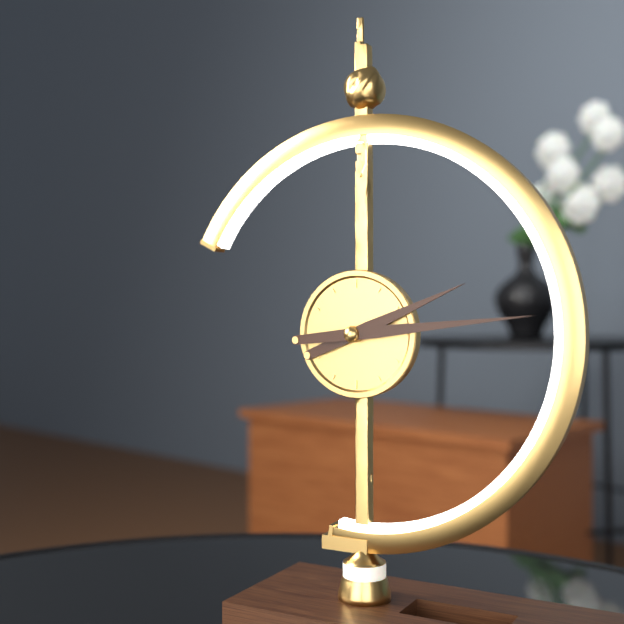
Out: 2:14
